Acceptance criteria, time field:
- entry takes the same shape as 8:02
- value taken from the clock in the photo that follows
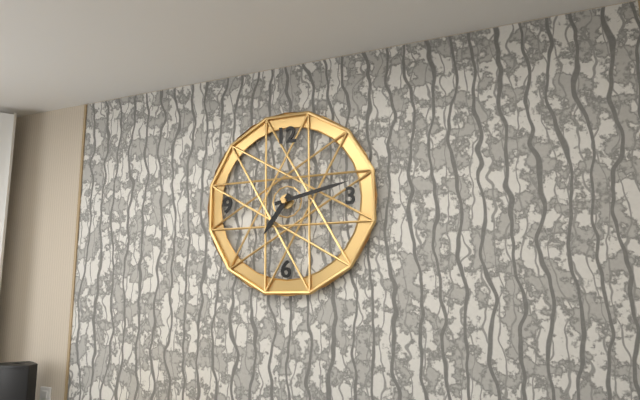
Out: 7:13
